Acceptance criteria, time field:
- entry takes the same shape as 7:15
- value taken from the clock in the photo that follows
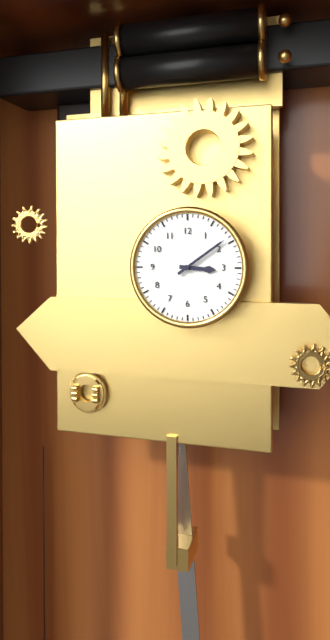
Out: 3:09
